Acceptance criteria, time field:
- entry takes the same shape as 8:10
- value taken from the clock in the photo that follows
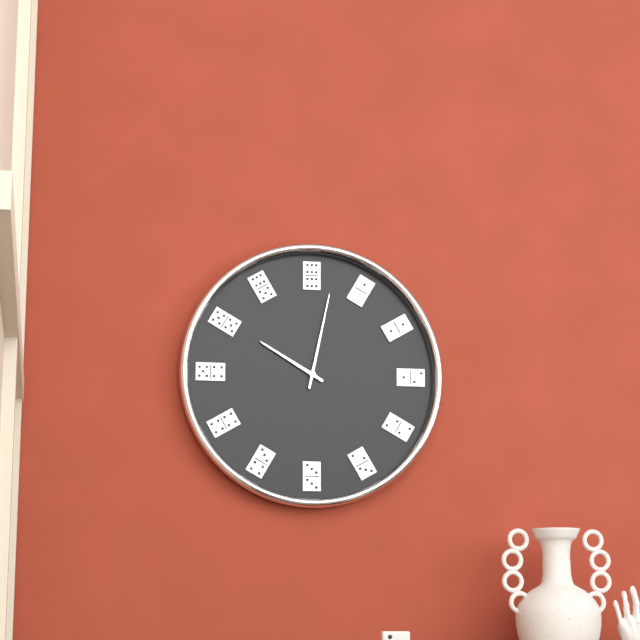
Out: 10:02
